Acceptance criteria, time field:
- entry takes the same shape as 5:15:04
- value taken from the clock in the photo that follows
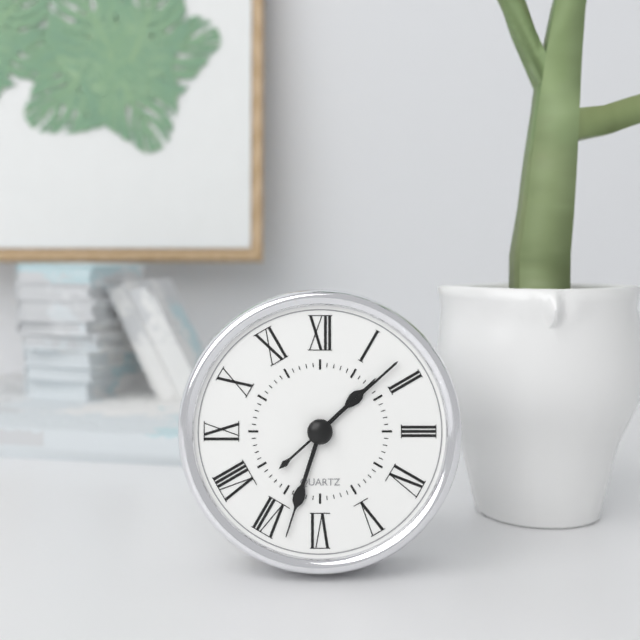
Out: 1:33:08
